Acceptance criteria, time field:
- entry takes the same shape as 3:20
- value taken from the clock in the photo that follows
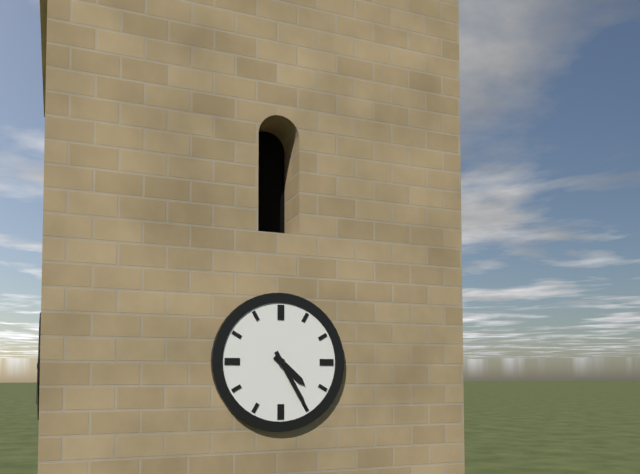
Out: 4:25
